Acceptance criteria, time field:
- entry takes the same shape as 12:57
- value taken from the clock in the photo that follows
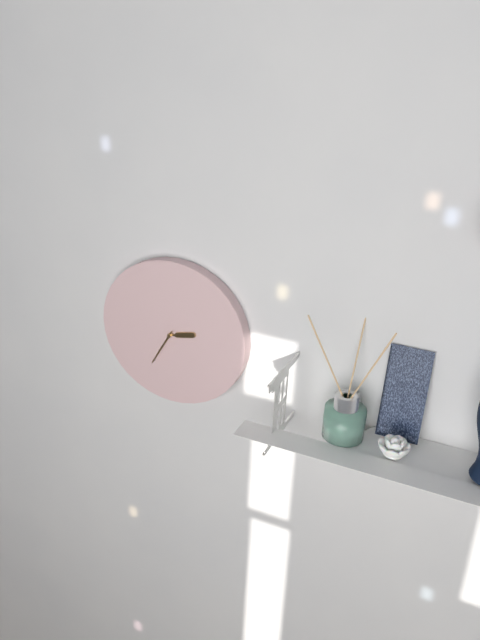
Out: 2:35
